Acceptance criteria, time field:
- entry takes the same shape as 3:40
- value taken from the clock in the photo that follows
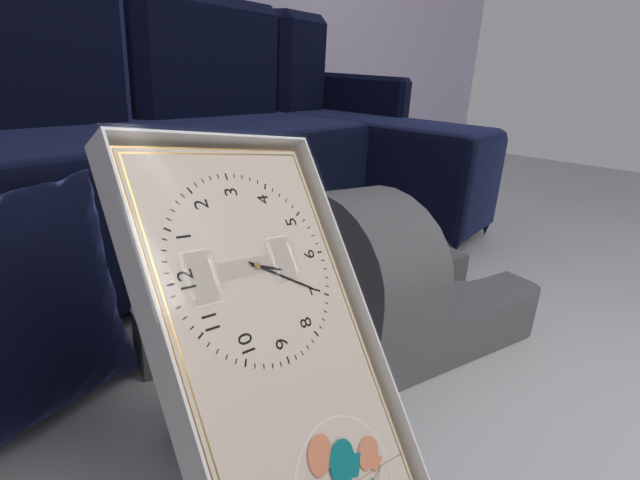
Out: 6:35
